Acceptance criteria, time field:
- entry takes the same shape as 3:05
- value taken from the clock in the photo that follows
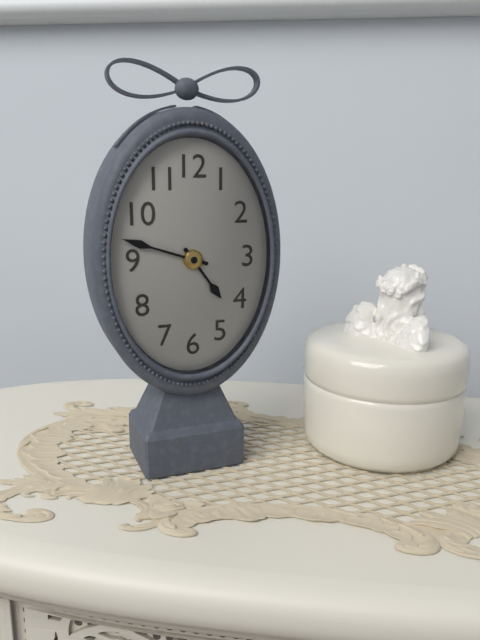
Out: 4:48
